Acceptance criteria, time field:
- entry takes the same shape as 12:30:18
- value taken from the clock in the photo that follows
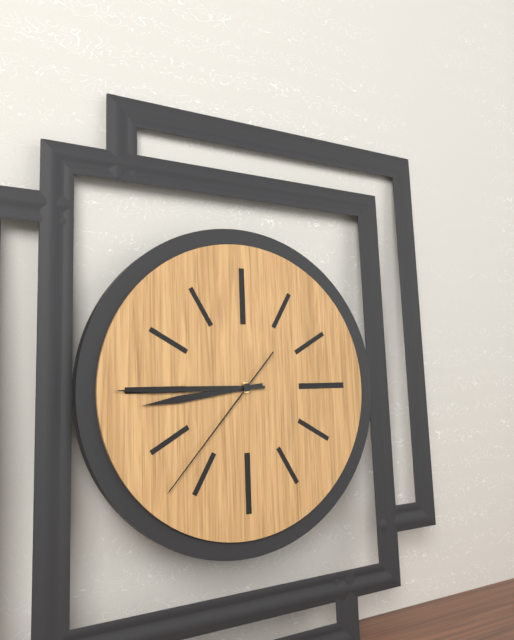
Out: 8:45:37
